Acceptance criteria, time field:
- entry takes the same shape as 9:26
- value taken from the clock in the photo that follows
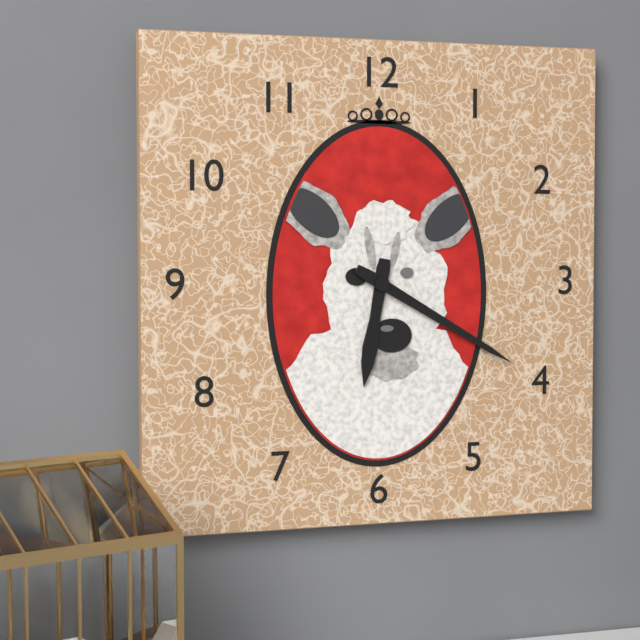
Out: 6:20
